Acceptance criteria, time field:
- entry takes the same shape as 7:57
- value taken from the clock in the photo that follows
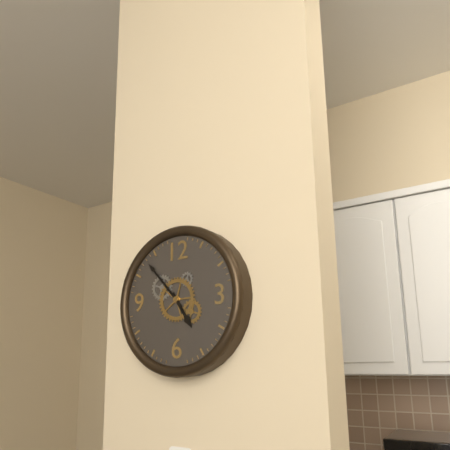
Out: 4:53
